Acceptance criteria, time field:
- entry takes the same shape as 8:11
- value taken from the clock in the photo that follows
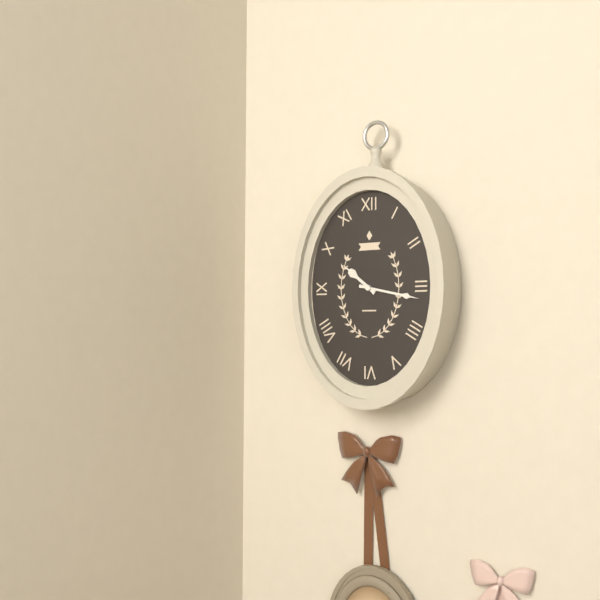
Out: 10:17
